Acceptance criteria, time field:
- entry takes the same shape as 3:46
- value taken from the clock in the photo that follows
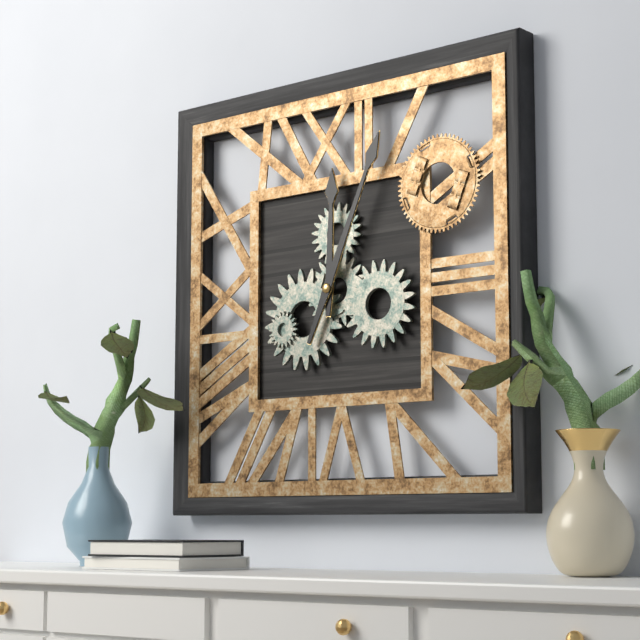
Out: 12:04
